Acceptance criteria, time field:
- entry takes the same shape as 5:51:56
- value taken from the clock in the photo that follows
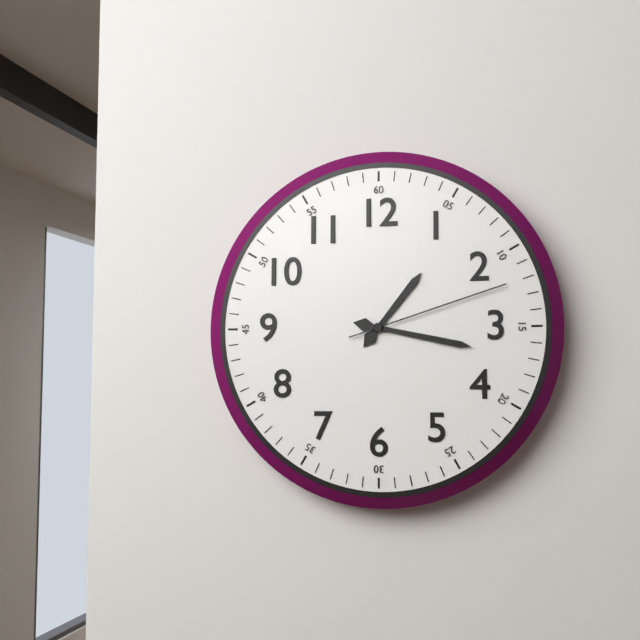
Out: 1:17:12
